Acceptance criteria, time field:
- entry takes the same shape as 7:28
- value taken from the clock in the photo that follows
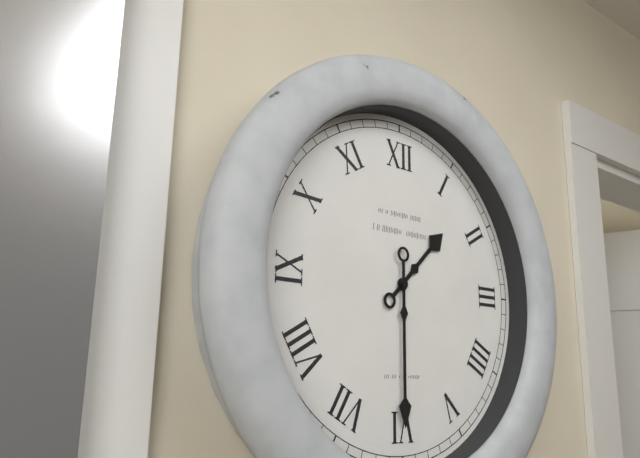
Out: 1:30
